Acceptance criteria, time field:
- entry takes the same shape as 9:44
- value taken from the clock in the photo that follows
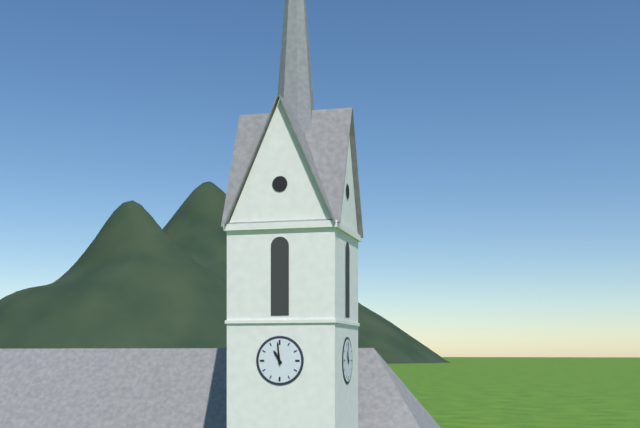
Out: 10:59
